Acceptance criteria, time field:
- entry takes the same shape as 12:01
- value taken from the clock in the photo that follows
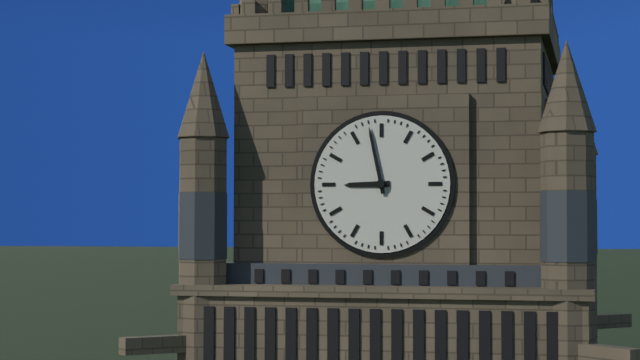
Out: 8:58
